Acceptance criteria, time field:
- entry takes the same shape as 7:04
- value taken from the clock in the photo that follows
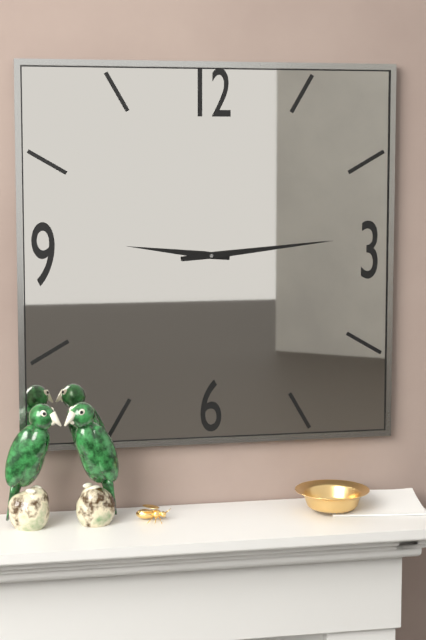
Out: 9:14
